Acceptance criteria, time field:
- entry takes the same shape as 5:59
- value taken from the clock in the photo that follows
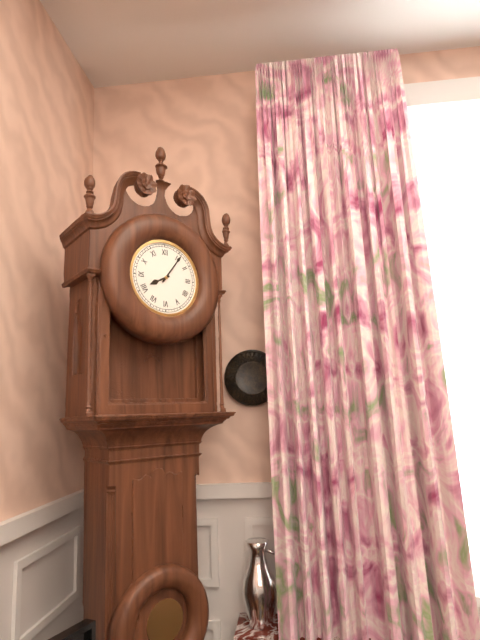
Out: 8:06
